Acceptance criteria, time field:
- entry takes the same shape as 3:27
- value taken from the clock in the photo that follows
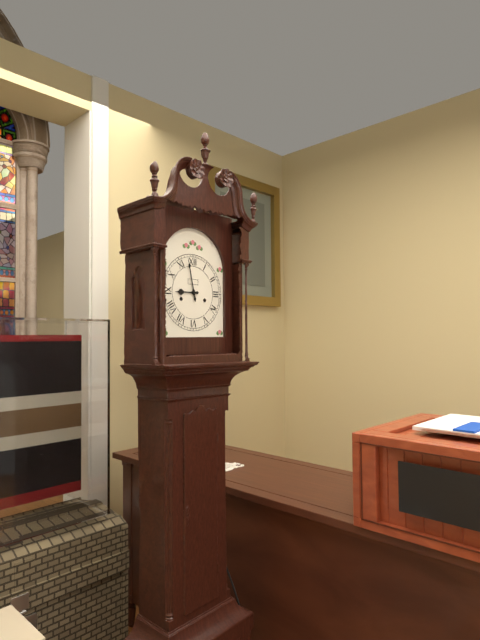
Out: 8:58
